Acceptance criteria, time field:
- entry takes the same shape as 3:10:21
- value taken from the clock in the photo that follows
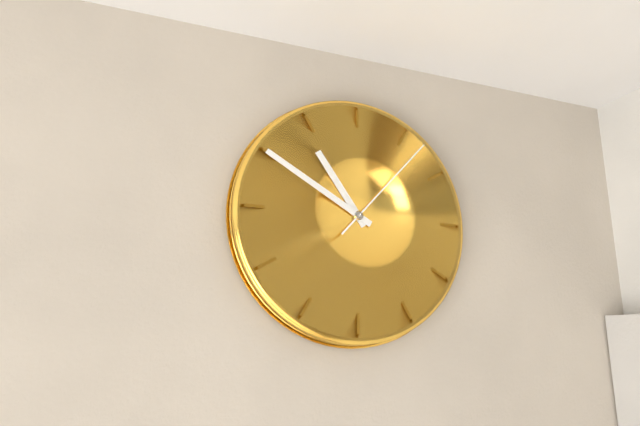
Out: 10:50:07
